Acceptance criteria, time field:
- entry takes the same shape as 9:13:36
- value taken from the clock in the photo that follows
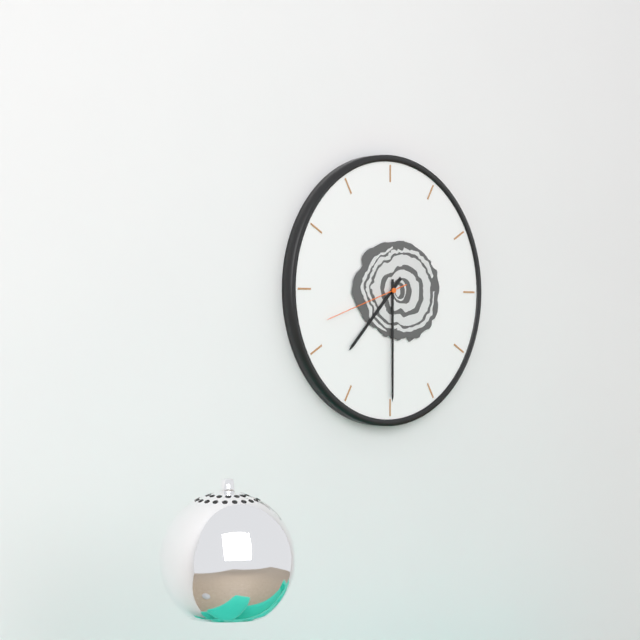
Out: 7:30:42
